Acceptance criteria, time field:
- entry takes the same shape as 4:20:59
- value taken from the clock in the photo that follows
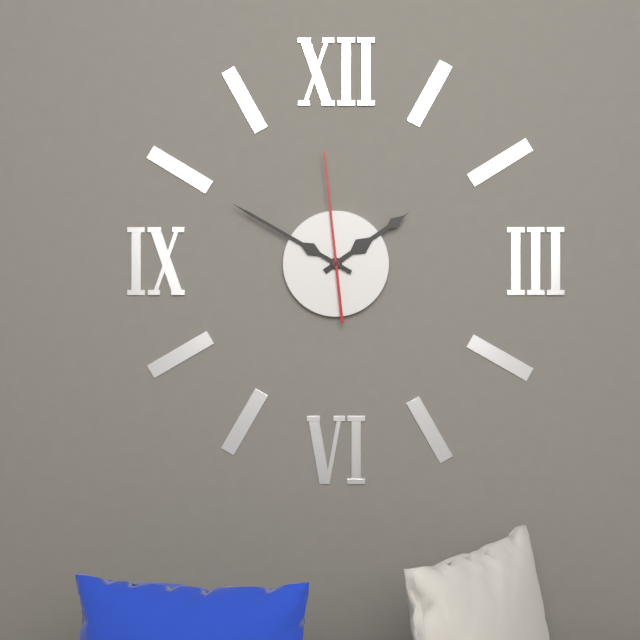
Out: 1:50:59
